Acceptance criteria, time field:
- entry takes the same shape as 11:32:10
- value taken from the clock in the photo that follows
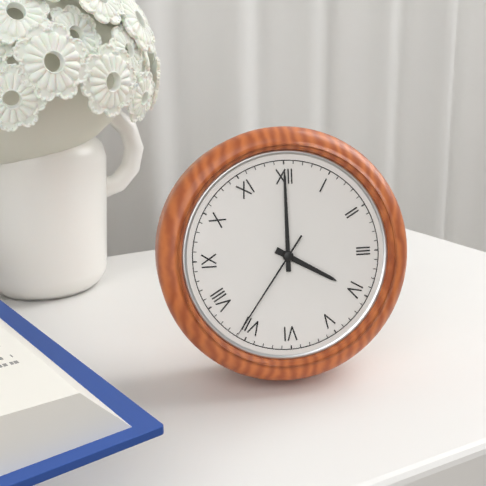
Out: 4:00:36
